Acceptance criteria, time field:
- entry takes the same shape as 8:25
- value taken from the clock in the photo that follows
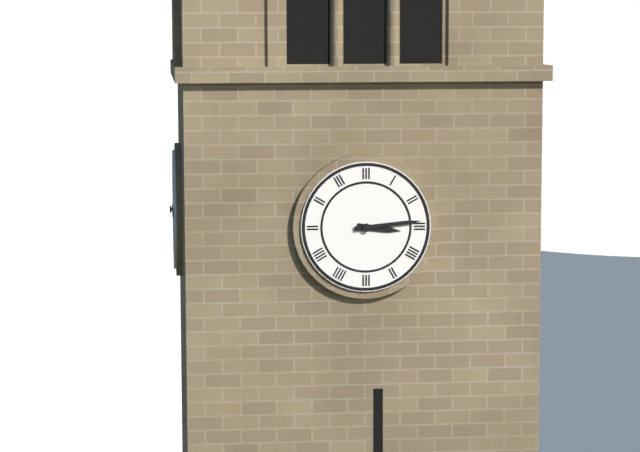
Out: 3:14
